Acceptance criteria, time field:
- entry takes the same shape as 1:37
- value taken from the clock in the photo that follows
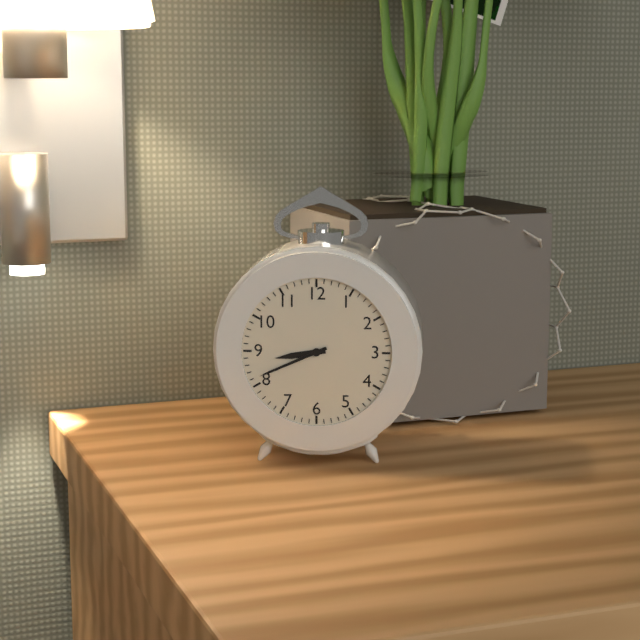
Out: 8:41
